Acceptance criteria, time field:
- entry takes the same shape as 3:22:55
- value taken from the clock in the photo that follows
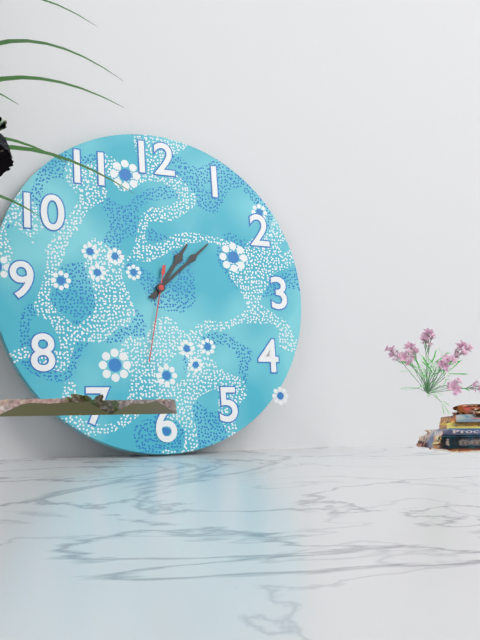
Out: 1:08:32
